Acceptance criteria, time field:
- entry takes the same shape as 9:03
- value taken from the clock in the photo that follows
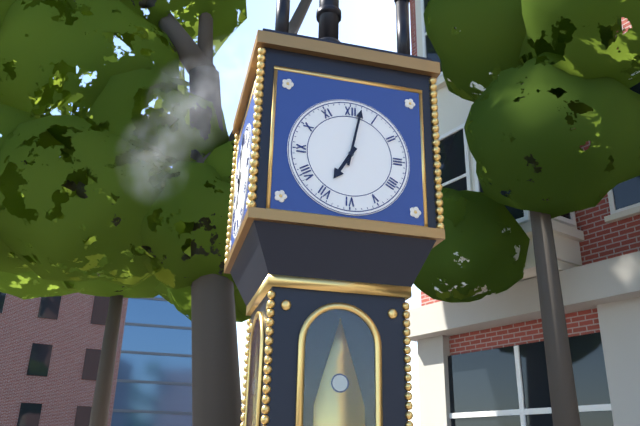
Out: 7:02
